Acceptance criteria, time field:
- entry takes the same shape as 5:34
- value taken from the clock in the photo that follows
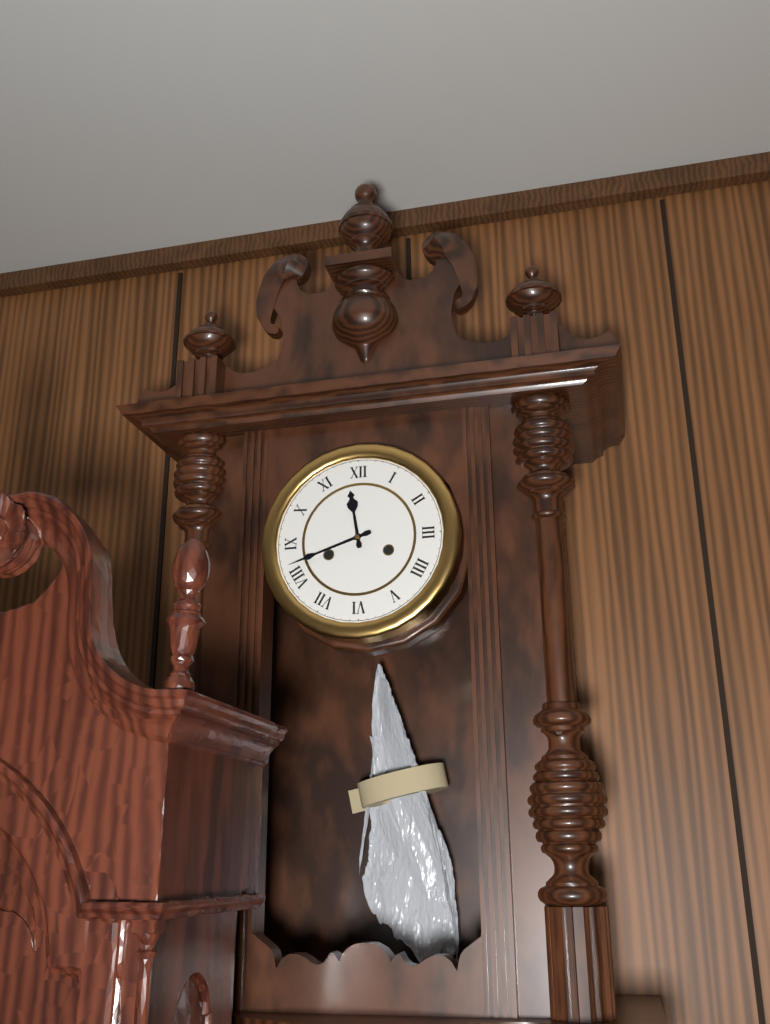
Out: 11:42
